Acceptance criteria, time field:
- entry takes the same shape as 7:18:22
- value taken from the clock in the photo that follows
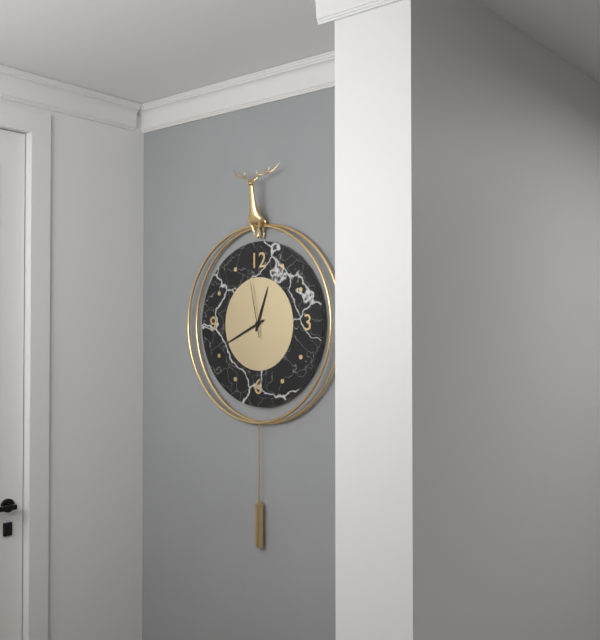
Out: 12:41:58
